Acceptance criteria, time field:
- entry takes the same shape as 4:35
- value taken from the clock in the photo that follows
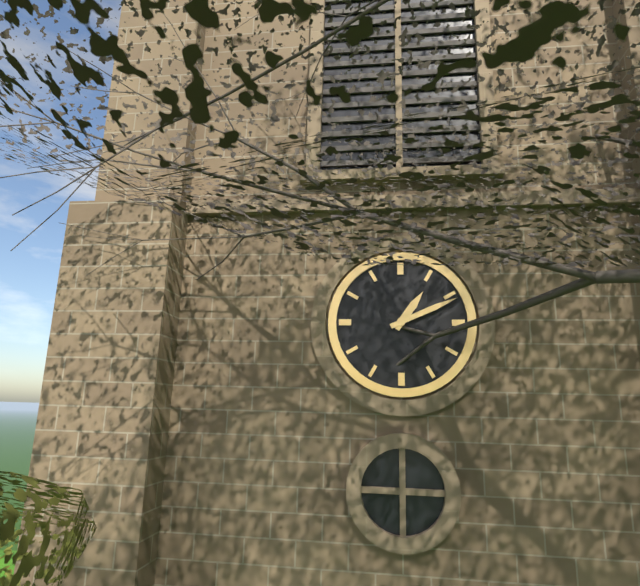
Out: 1:11
